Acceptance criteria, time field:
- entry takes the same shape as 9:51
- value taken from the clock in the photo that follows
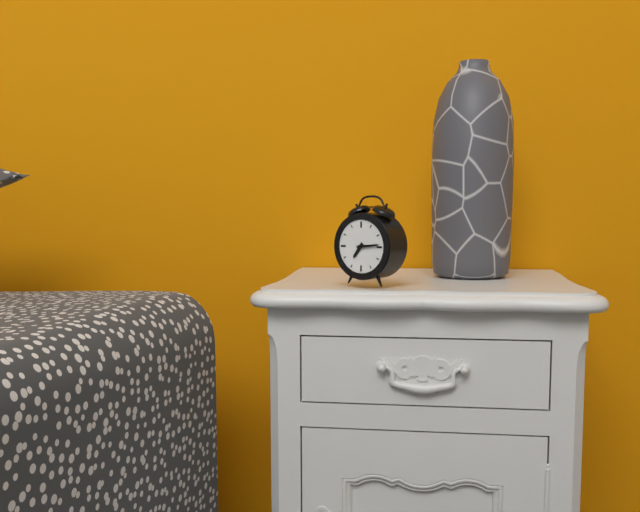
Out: 7:14
